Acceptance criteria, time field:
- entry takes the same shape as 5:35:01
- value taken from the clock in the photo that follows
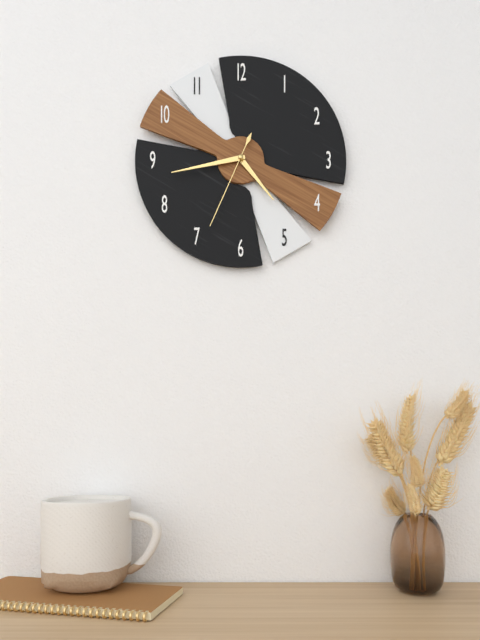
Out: 4:43:34
